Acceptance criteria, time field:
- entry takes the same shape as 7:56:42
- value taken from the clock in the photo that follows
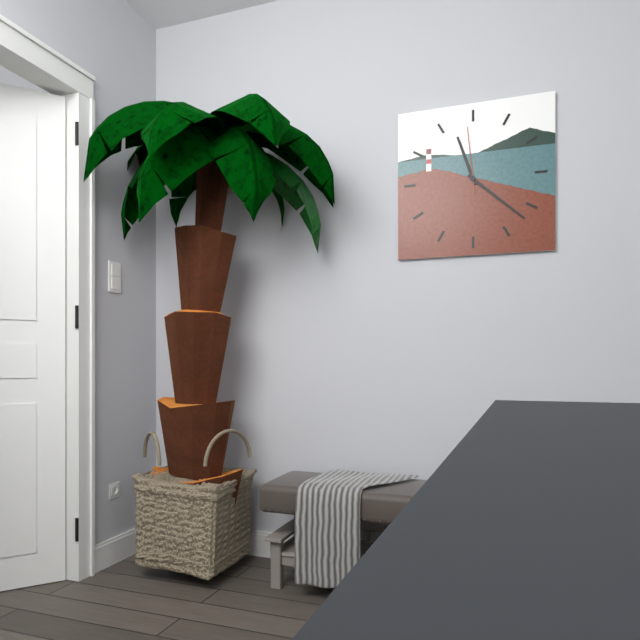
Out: 11:22:59
